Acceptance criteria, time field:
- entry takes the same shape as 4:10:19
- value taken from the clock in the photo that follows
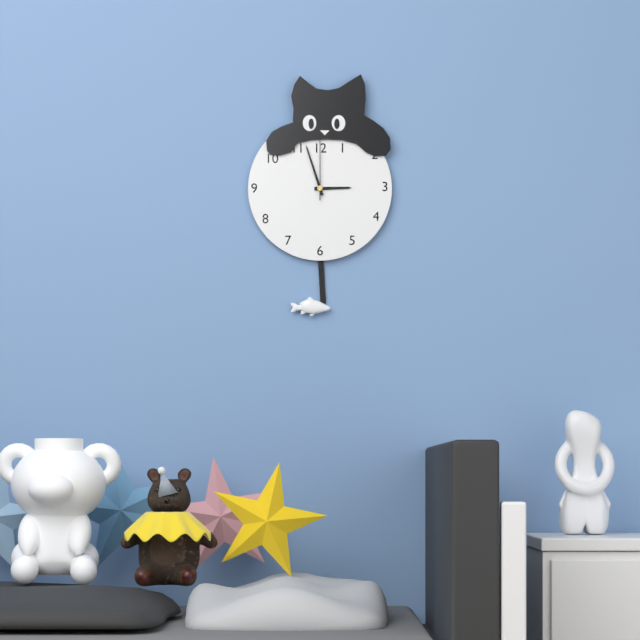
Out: 2:57:00
